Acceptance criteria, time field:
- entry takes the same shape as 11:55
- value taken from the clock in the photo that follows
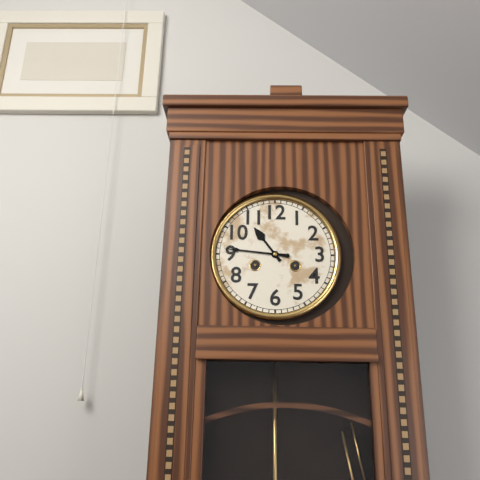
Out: 10:46
